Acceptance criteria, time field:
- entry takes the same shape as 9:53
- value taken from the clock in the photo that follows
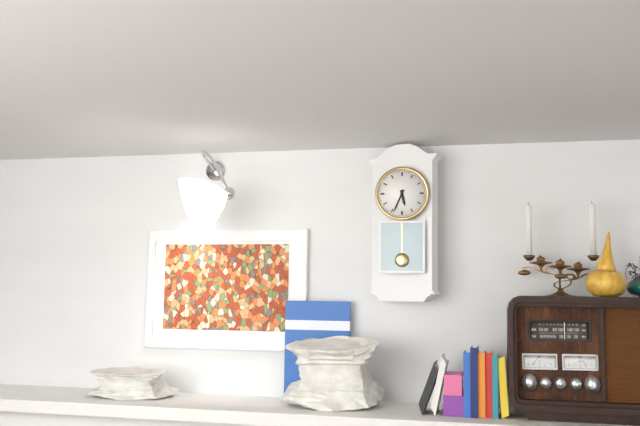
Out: 5:34
